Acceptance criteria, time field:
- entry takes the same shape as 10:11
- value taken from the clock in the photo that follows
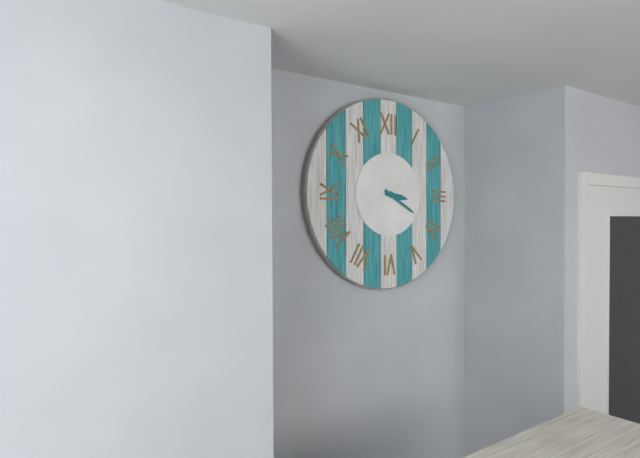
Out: 3:20
